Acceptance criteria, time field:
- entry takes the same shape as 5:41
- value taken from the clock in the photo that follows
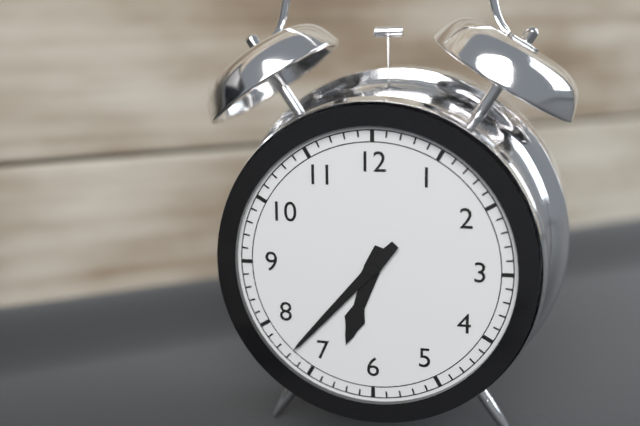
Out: 6:37
